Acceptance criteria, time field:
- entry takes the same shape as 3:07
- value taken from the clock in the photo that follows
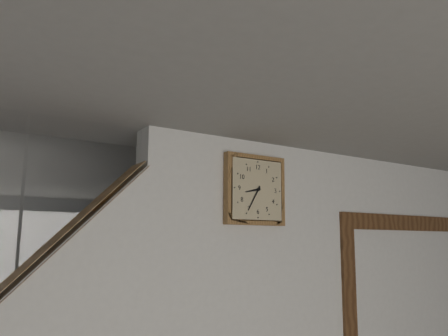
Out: 8:35
